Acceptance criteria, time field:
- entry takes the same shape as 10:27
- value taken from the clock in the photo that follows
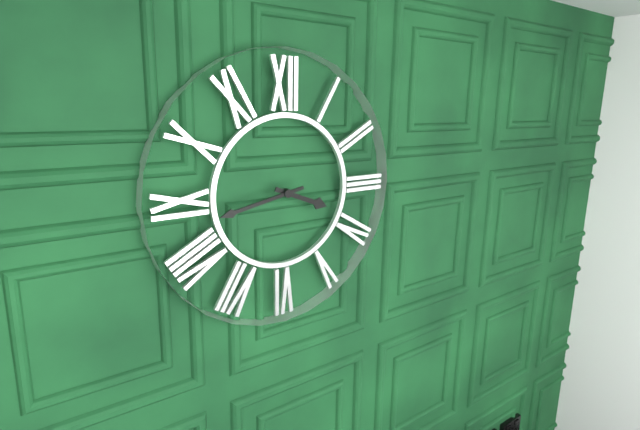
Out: 3:43
